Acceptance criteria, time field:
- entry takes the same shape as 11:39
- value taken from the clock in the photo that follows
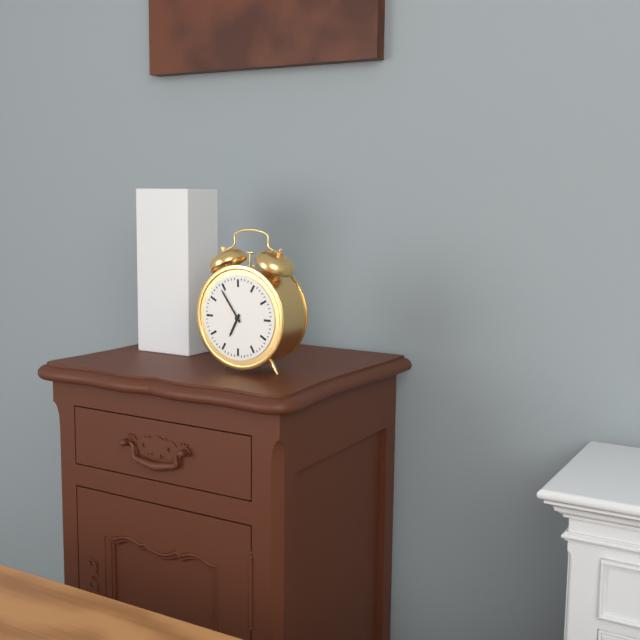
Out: 6:54
